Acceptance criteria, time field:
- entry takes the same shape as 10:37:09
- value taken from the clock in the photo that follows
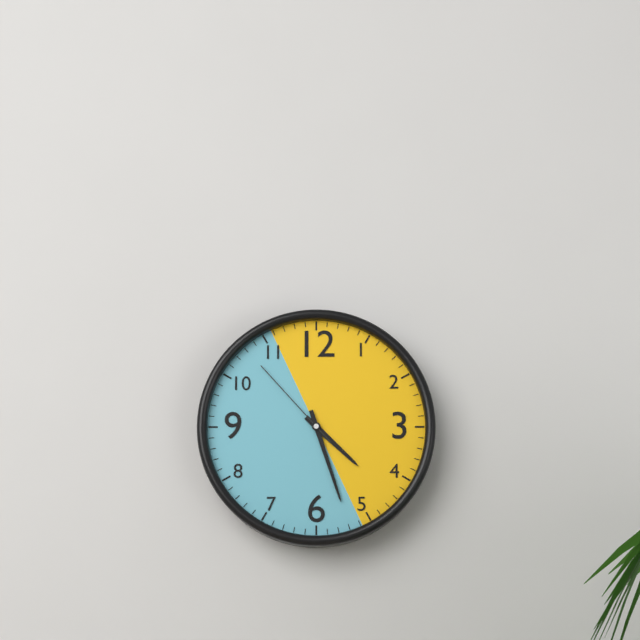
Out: 4:27:53
